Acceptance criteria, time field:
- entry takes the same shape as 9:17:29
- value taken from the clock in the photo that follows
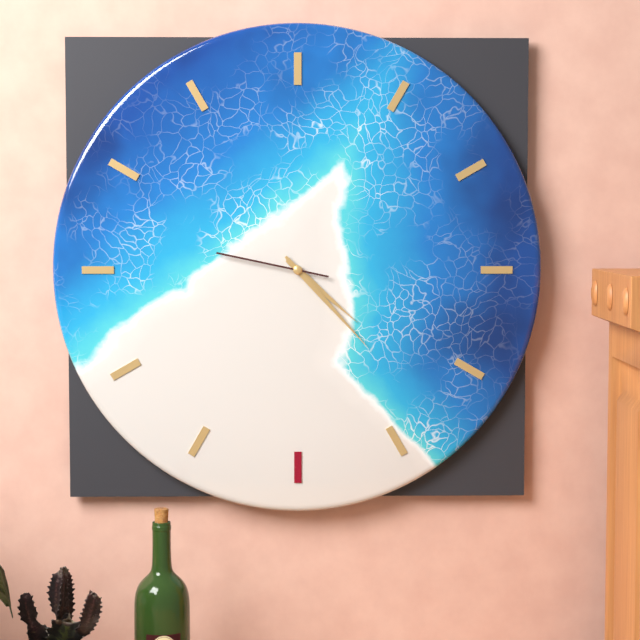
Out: 4:23:47
